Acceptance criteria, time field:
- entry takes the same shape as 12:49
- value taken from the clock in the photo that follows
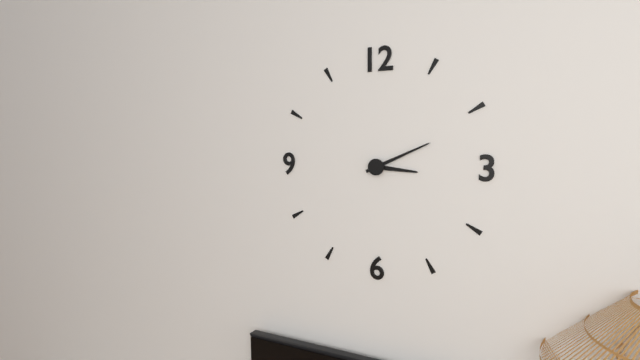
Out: 3:11
